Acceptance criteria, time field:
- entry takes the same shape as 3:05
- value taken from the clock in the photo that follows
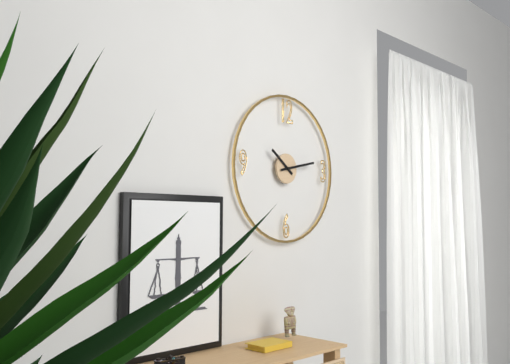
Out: 10:13
